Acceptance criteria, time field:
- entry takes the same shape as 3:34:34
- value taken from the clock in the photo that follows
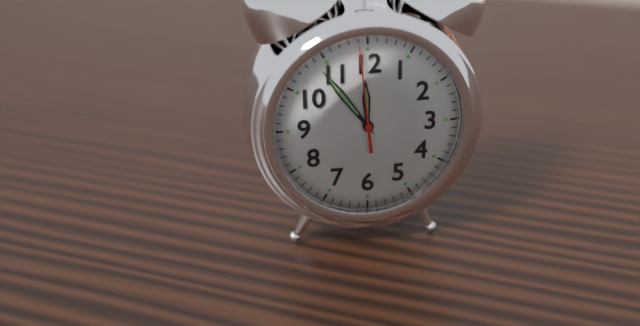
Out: 11:54:59
